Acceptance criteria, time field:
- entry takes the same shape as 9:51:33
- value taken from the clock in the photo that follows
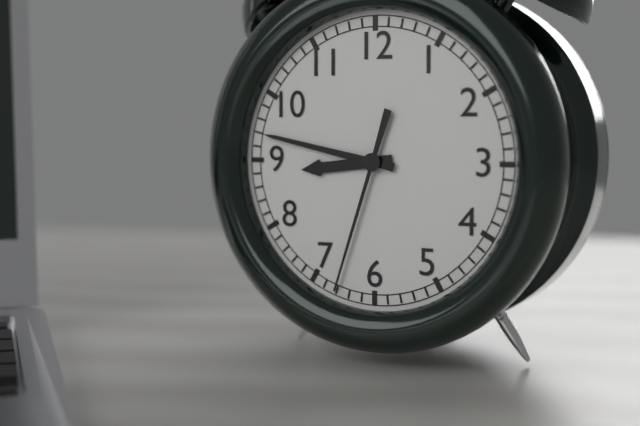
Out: 8:47:33
